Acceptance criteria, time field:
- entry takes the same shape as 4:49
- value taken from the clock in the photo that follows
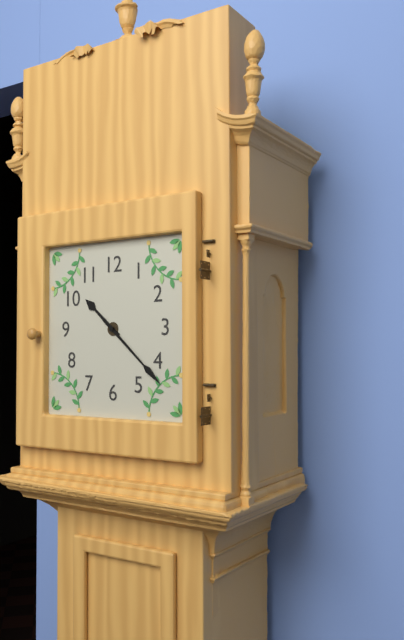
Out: 10:22
